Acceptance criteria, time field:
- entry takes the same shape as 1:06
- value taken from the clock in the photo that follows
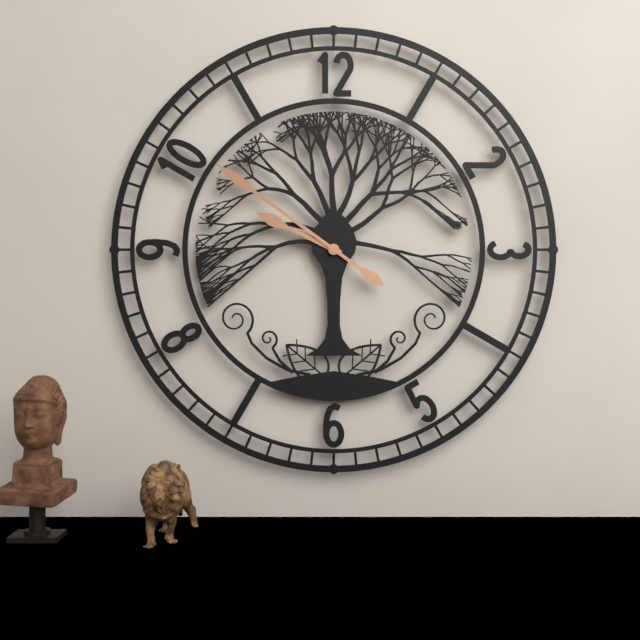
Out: 9:51
